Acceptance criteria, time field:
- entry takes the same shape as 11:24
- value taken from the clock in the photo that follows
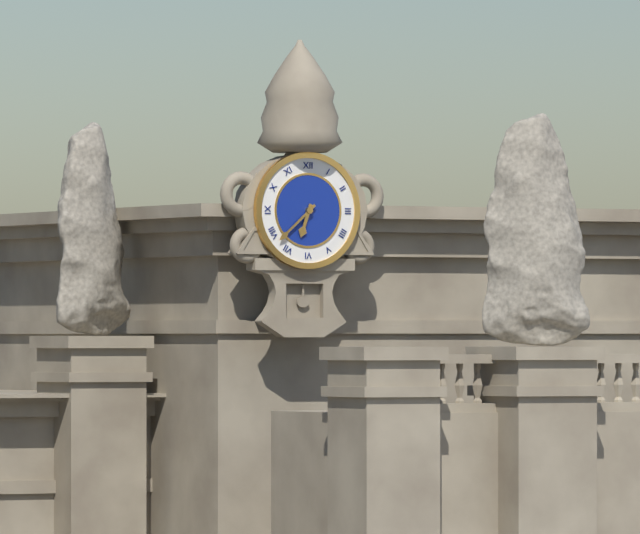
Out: 6:38
